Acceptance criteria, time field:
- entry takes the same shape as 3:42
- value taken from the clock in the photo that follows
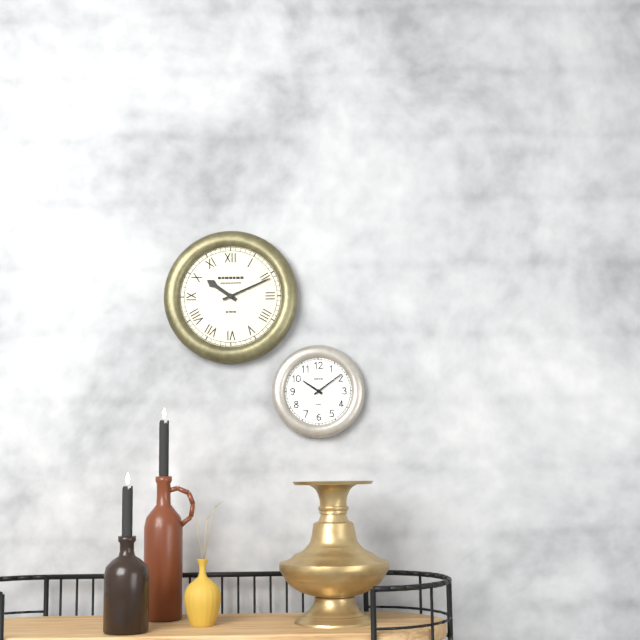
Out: 10:11
